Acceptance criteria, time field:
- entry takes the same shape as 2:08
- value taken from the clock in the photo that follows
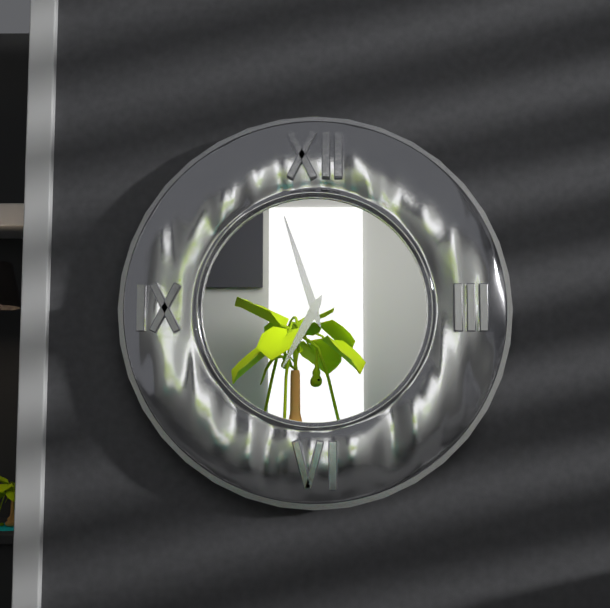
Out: 6:57
